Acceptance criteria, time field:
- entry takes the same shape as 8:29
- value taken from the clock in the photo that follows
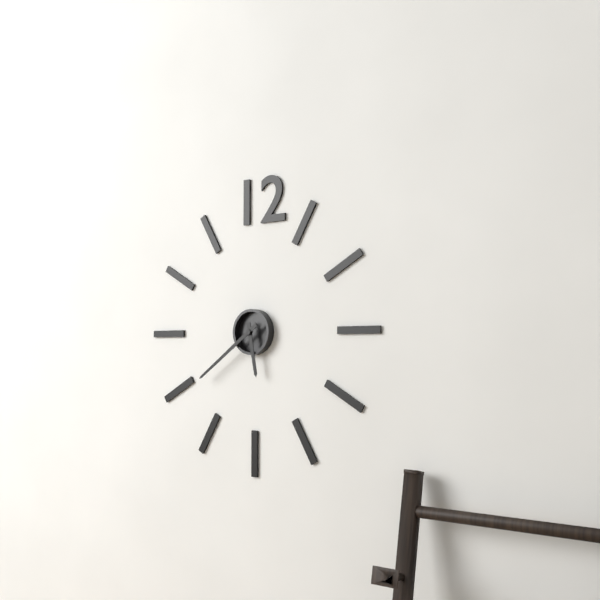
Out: 5:39
